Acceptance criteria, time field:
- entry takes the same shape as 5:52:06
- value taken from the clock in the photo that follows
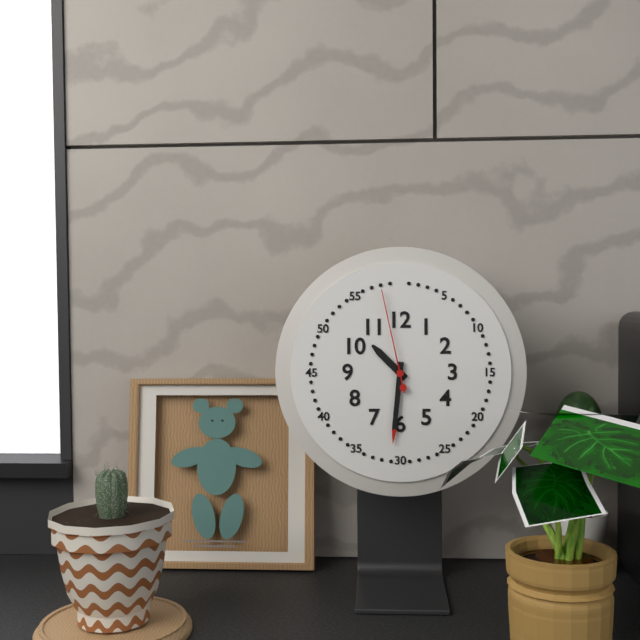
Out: 10:31:58
